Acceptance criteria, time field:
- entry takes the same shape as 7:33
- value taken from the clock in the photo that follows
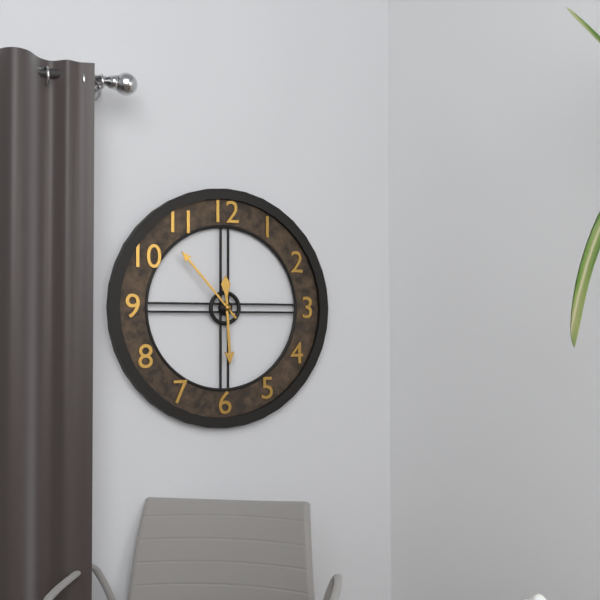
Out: 5:53
